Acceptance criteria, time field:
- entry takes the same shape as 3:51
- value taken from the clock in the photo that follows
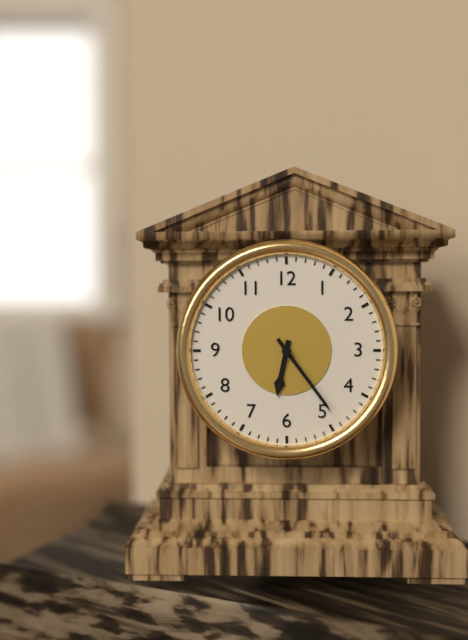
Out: 6:24
